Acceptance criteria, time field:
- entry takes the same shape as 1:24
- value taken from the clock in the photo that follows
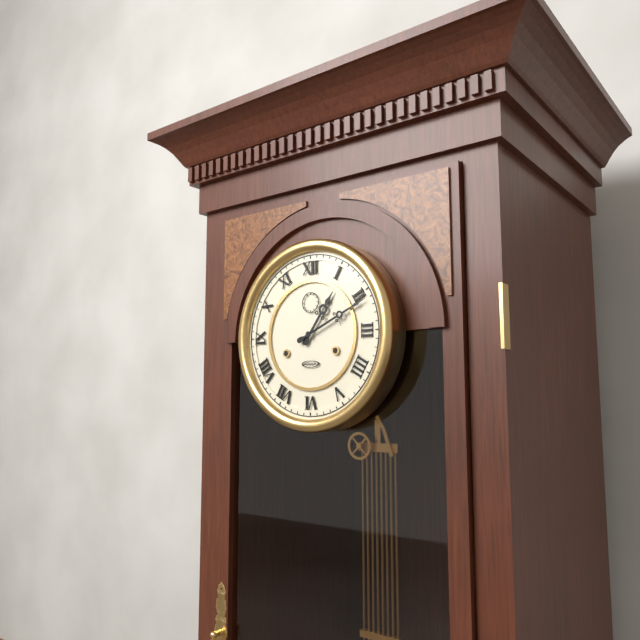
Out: 1:11
